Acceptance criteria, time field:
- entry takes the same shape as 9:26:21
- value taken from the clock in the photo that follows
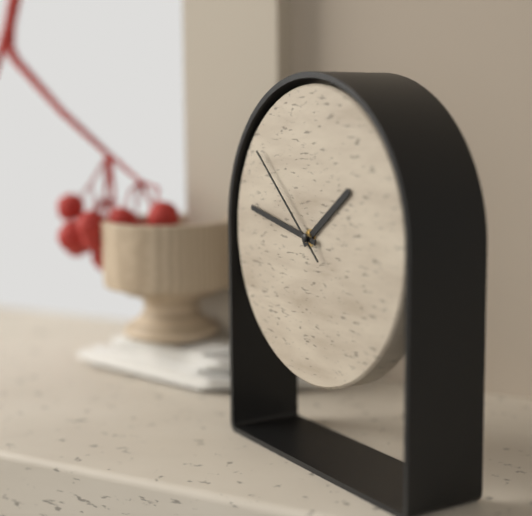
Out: 1:47:52
